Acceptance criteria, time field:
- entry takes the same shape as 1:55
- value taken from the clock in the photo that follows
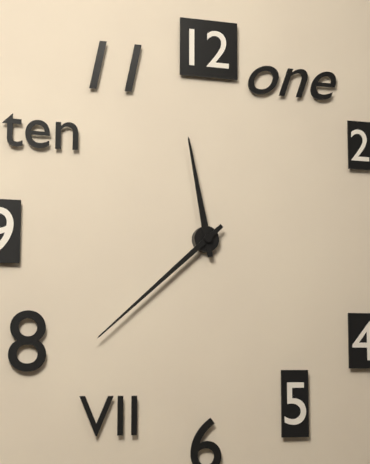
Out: 11:38
